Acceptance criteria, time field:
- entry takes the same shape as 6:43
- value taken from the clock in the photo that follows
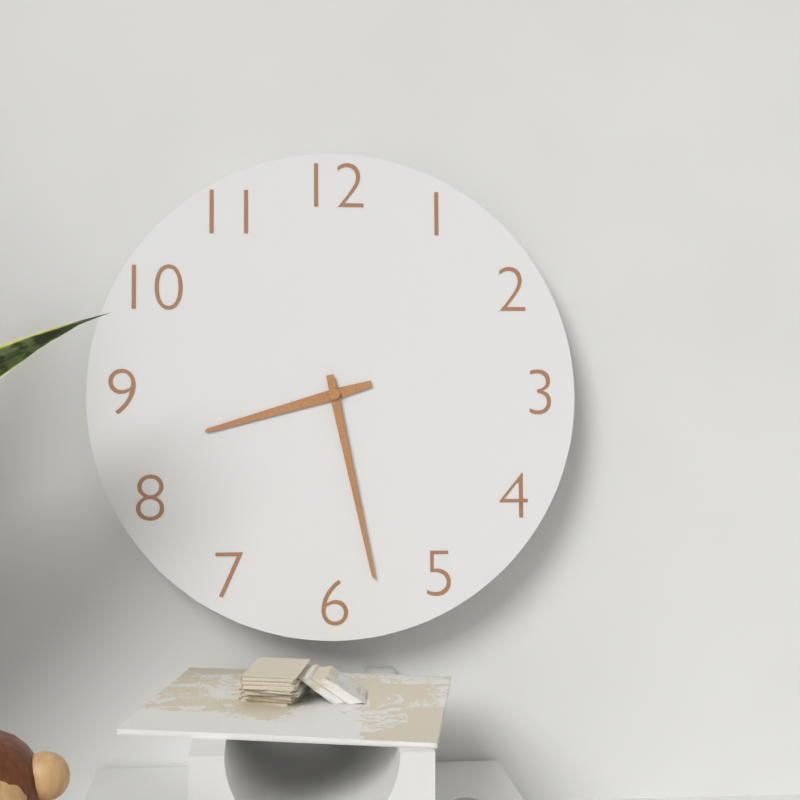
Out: 8:28
